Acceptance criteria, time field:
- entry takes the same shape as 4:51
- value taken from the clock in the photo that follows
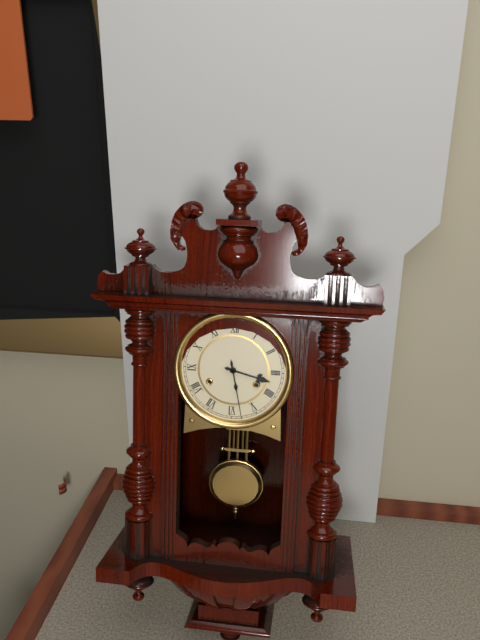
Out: 3:28
